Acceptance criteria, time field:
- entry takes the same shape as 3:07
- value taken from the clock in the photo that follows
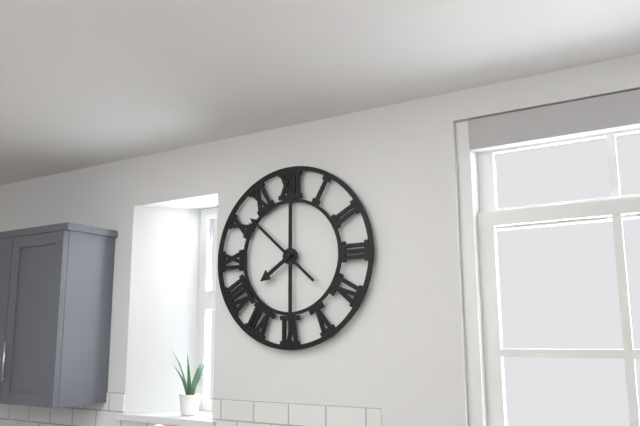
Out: 7:52
